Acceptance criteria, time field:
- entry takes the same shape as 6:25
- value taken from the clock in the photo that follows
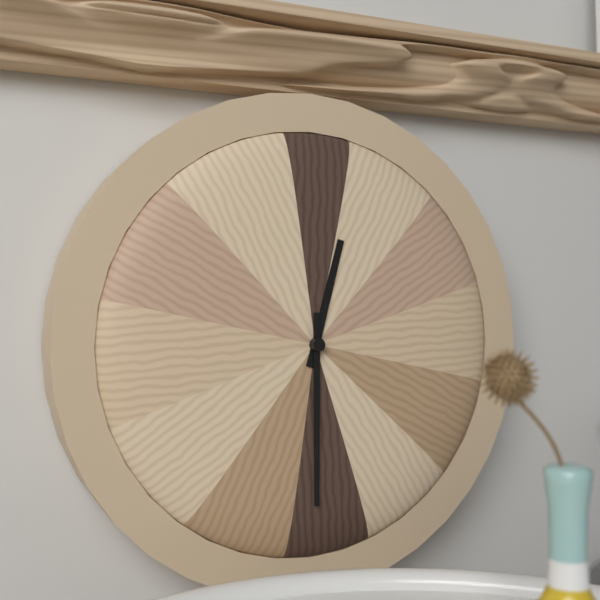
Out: 12:30
